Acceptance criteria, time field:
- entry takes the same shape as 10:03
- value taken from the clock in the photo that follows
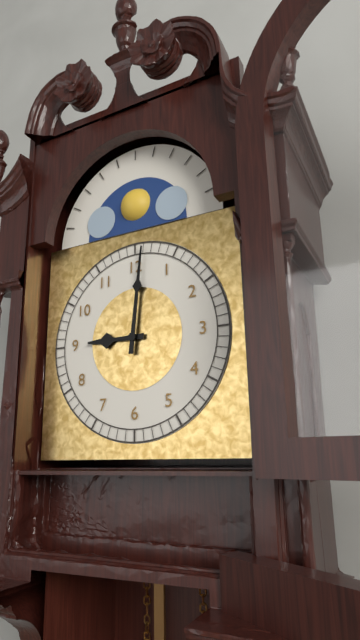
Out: 9:01
